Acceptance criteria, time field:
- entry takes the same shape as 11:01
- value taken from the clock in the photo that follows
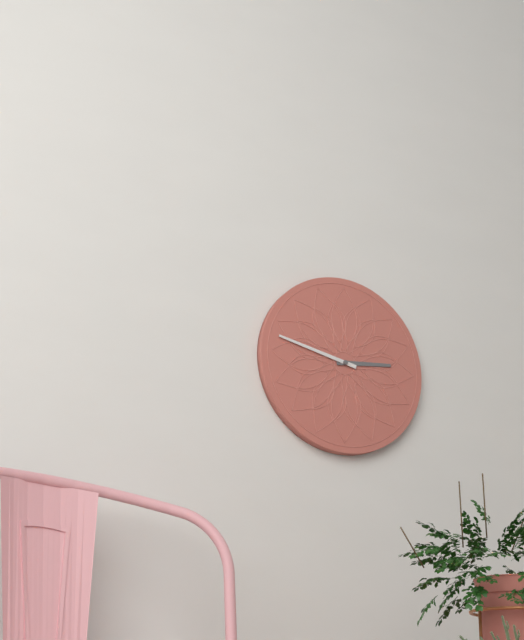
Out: 2:47
